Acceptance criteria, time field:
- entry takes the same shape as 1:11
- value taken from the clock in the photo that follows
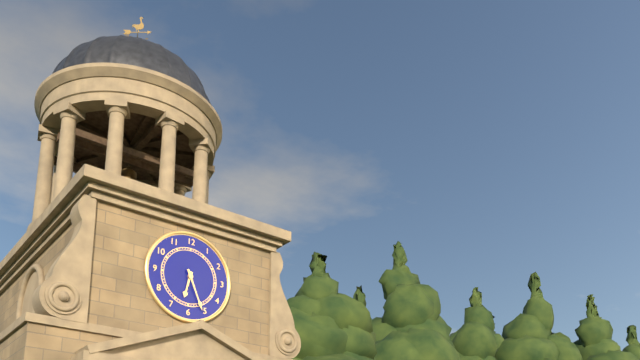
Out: 6:26
